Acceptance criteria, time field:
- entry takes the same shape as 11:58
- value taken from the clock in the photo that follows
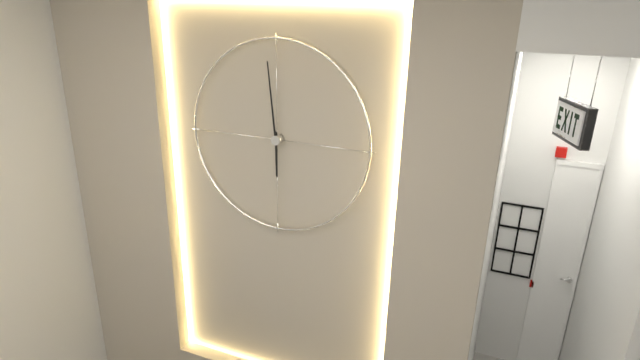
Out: 5:59
